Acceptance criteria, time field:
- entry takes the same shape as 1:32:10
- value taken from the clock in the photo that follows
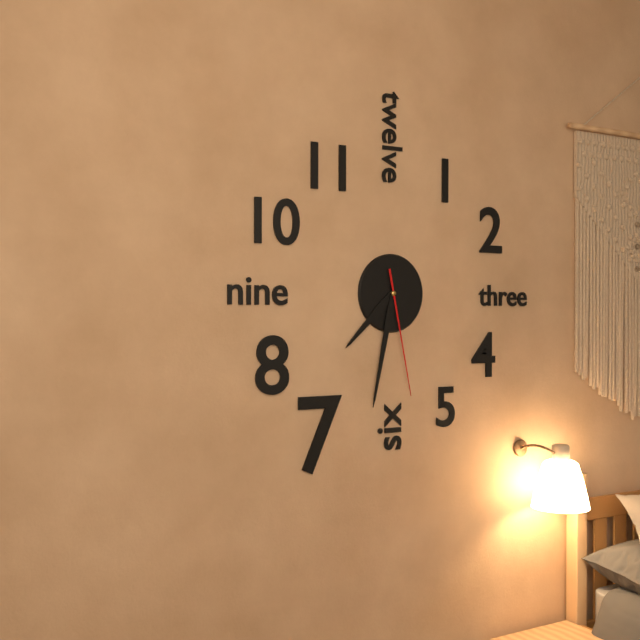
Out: 7:32:28
